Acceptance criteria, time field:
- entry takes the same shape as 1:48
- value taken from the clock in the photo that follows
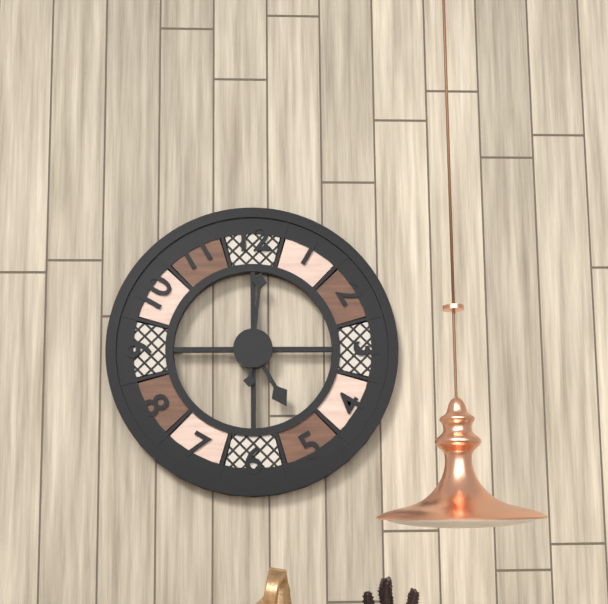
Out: 5:01
